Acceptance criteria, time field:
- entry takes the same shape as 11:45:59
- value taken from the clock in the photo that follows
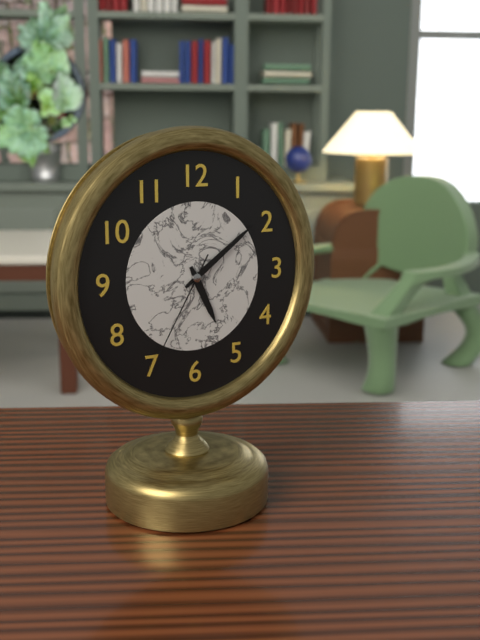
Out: 5:09:35
